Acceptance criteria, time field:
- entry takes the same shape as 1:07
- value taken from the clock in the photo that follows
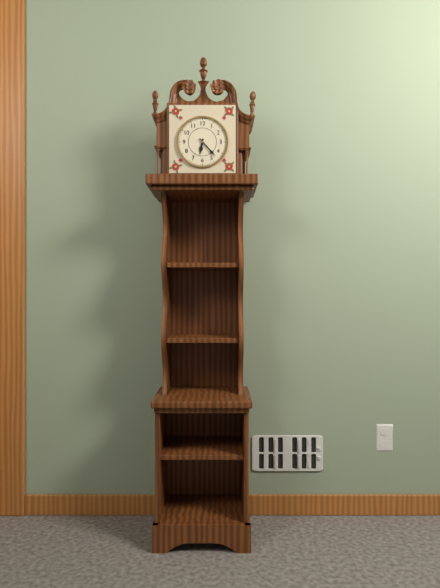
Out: 6:23
